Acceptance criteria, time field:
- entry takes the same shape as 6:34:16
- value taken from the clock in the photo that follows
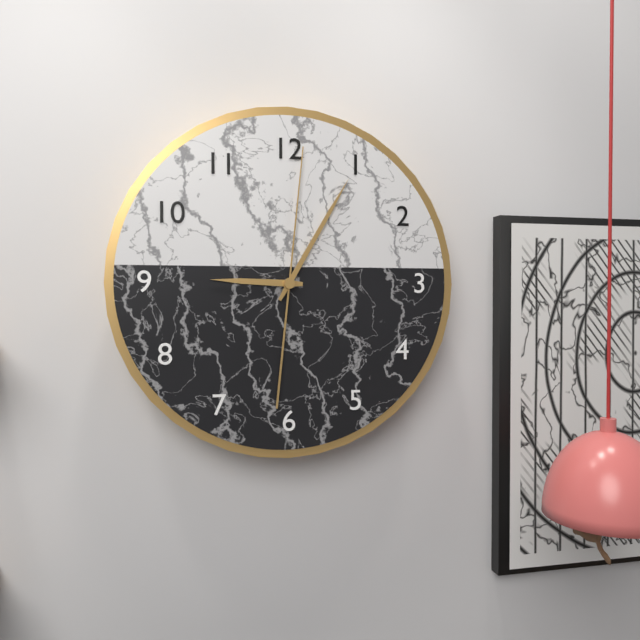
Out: 9:05:01
